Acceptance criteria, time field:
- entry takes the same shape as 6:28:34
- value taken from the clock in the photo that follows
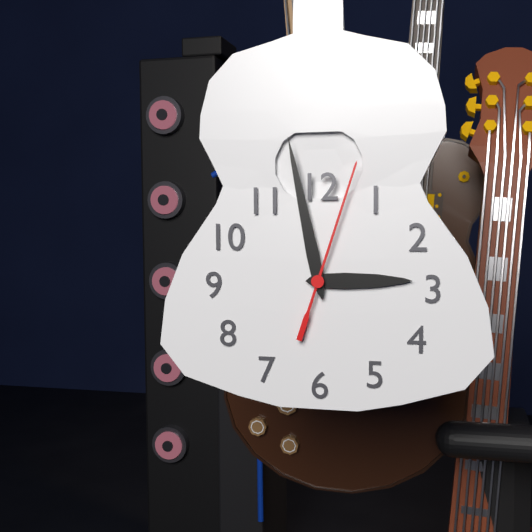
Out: 2:58:03
